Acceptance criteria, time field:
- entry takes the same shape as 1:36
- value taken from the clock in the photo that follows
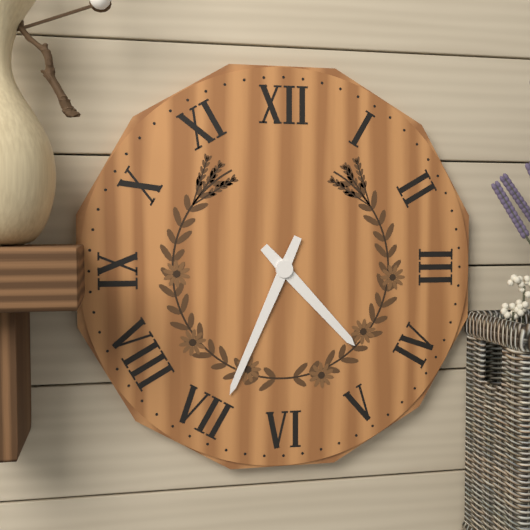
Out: 4:34
